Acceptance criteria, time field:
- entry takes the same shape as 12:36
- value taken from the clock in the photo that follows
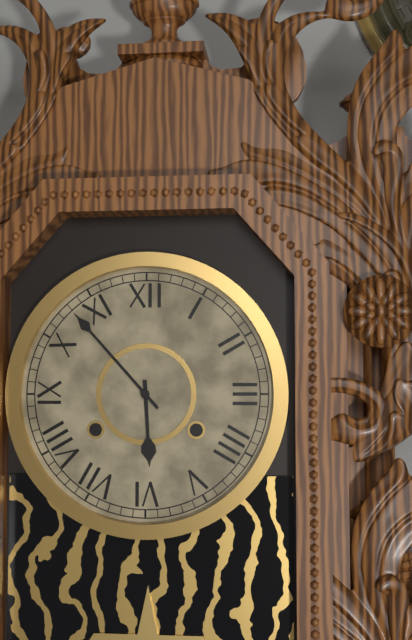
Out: 5:53
